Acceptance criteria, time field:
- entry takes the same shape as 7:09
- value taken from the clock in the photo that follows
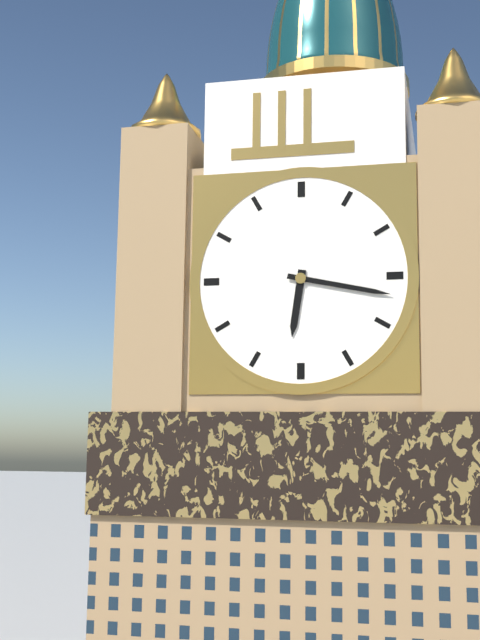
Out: 6:17
